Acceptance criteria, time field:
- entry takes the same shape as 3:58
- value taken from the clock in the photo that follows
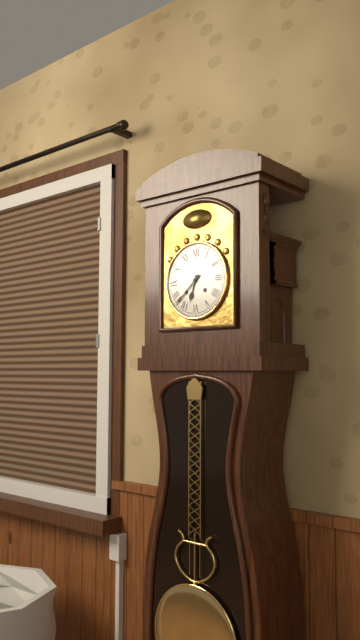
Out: 6:38
